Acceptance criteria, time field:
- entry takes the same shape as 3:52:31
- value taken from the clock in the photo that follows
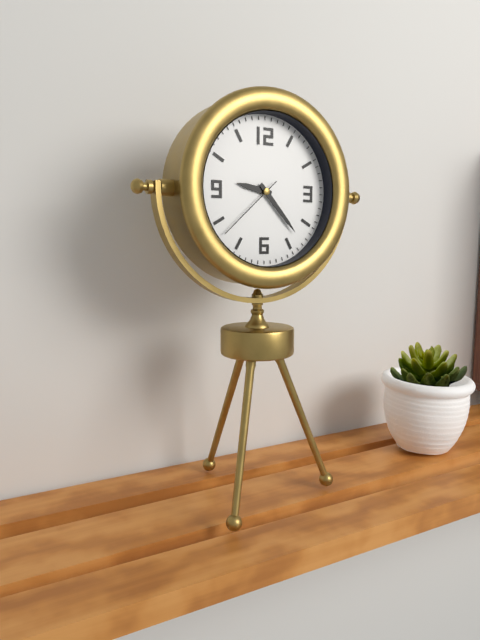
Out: 9:23:38
